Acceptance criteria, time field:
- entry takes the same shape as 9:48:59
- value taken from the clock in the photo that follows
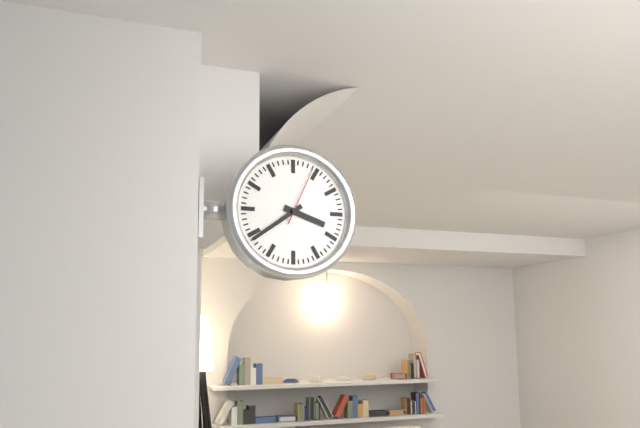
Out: 3:39:04
